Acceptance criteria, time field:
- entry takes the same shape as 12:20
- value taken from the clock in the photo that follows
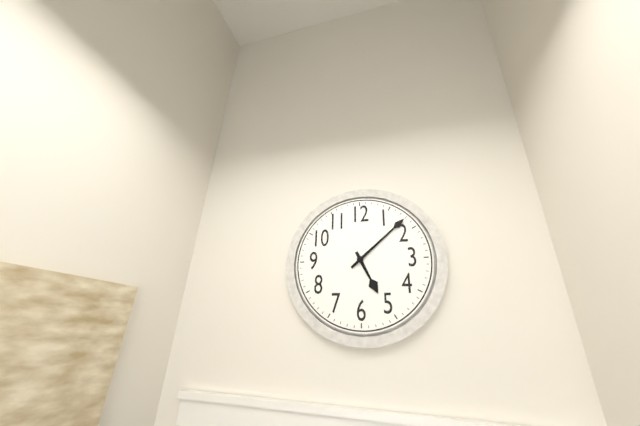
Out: 5:08
